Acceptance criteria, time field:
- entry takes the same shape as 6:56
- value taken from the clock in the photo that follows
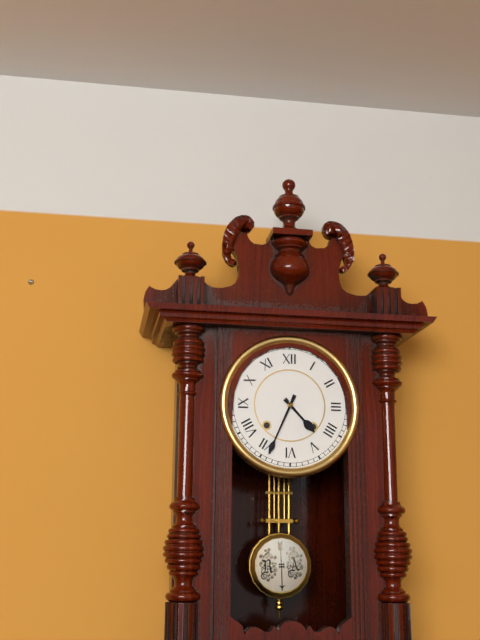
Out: 4:34
